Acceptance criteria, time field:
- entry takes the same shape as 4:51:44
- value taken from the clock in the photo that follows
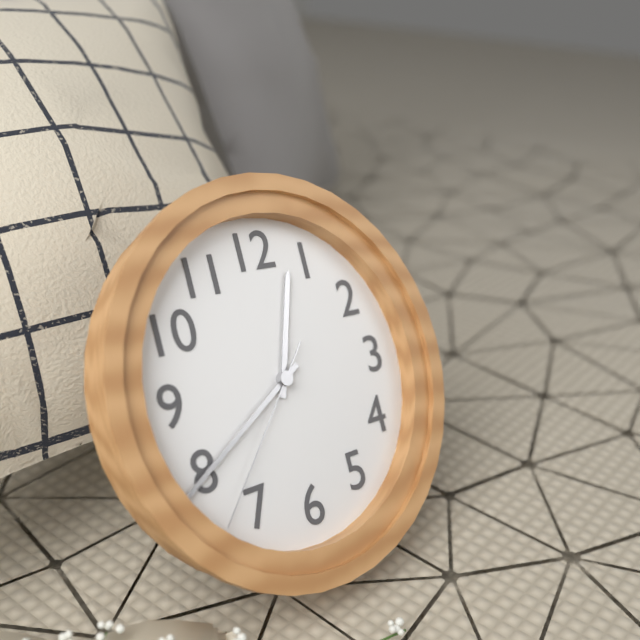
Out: 12:40:37
